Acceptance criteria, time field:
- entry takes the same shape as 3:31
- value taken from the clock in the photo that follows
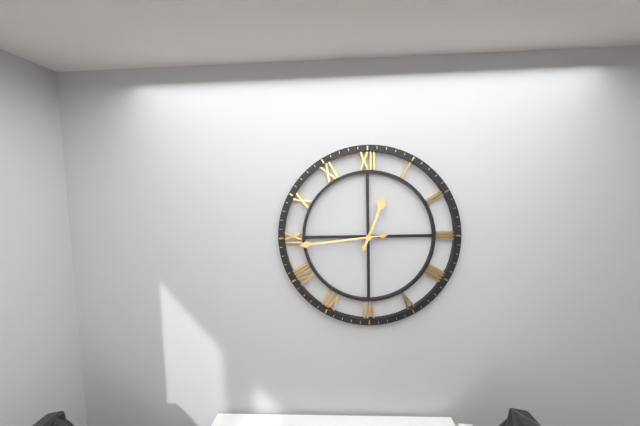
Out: 12:44
